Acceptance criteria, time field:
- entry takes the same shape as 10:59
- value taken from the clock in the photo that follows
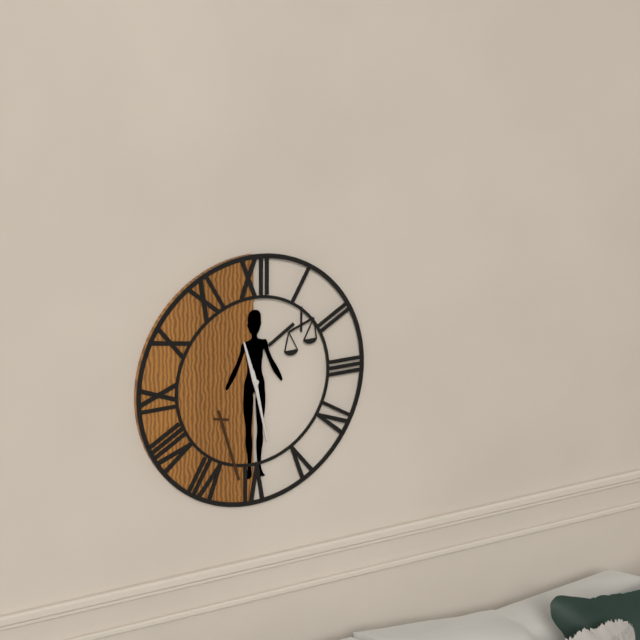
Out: 11:28
